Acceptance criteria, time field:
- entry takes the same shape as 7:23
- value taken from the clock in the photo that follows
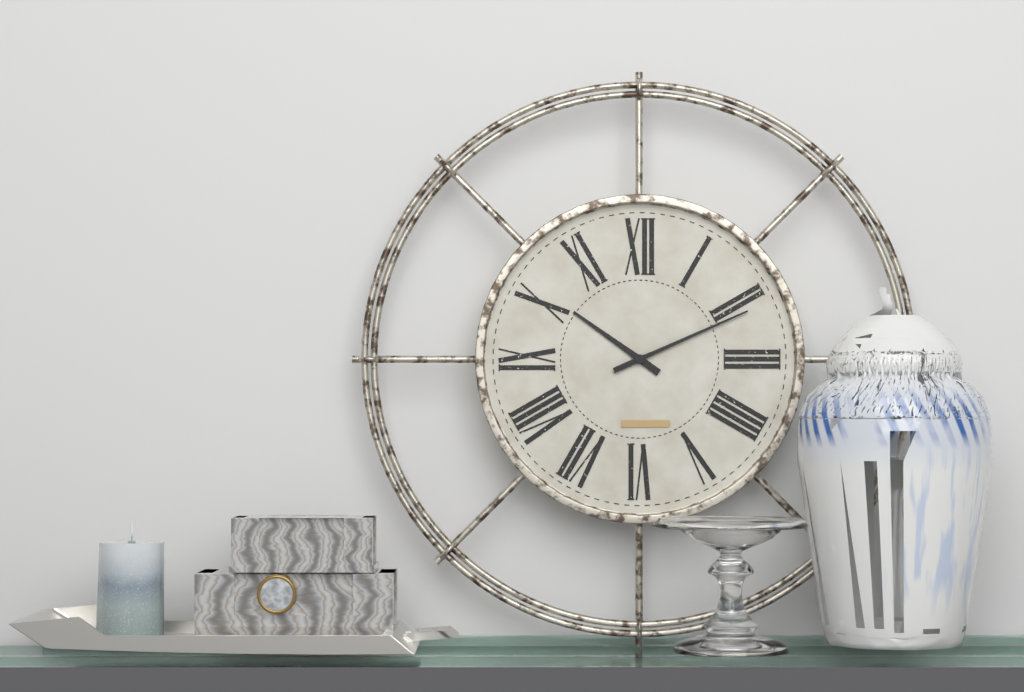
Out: 10:11
